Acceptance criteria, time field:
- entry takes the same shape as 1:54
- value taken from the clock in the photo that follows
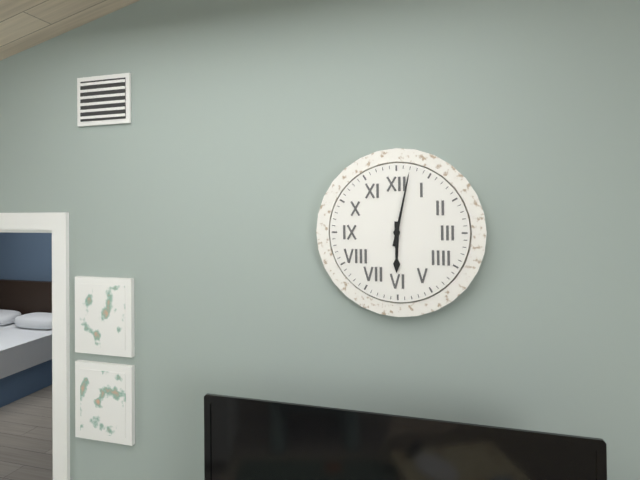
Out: 6:02
